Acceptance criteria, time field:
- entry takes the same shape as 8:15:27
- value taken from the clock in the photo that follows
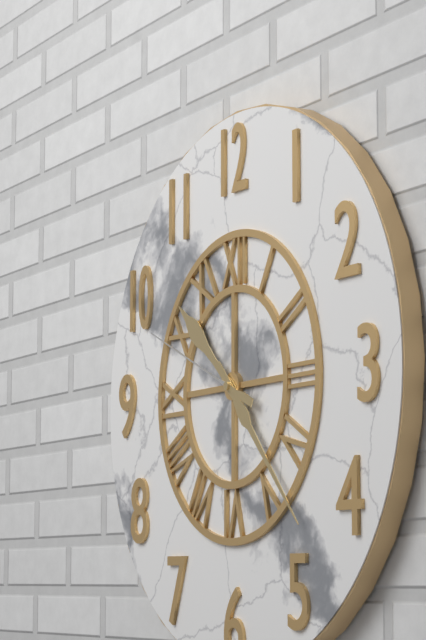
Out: 10:23:49
